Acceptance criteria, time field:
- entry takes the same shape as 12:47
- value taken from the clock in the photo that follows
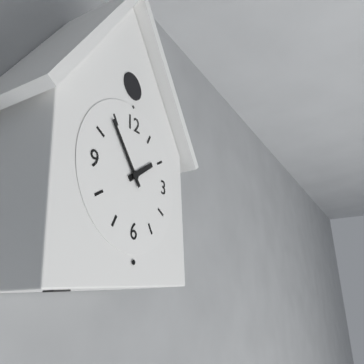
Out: 1:54
